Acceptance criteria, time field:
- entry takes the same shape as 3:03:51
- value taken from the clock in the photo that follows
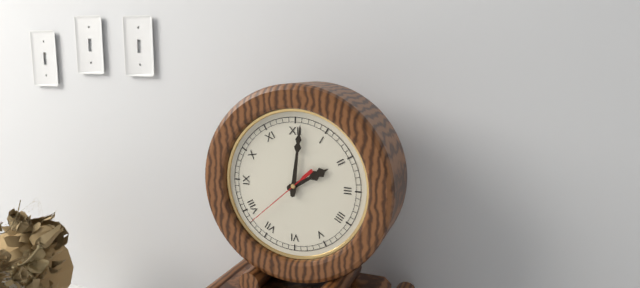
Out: 2:01:38
